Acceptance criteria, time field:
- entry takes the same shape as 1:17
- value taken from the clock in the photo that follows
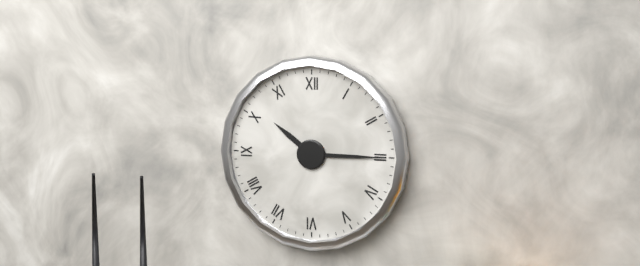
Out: 10:15
